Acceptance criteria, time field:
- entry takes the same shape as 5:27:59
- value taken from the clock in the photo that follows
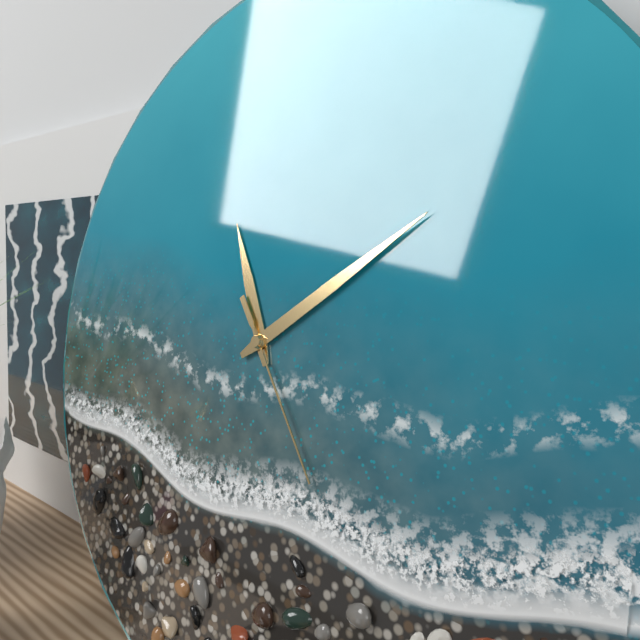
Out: 11:09:24
